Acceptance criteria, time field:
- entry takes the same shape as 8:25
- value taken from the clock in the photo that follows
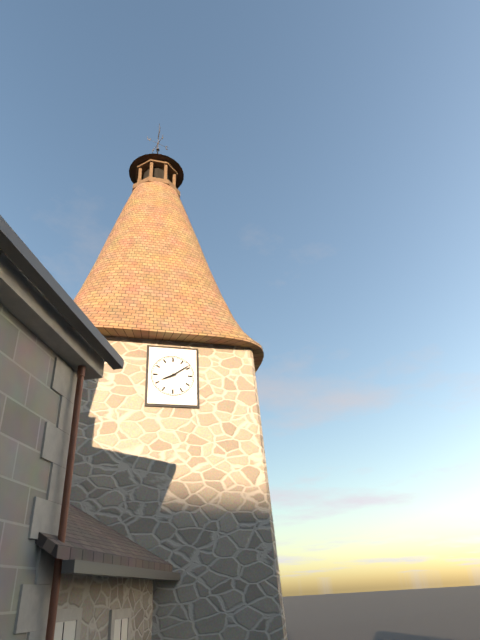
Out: 8:09
